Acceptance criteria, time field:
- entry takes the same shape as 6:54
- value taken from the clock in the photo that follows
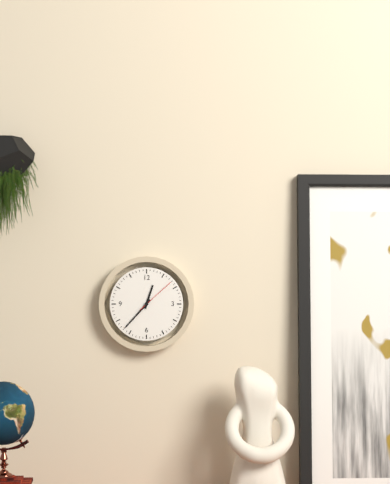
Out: 12:37
